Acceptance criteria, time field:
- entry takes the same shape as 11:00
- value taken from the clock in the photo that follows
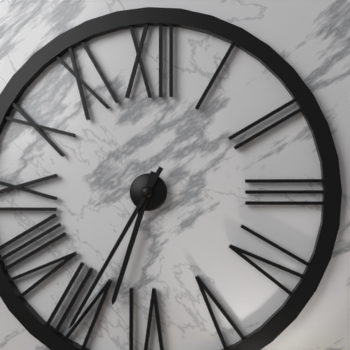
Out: 6:35
